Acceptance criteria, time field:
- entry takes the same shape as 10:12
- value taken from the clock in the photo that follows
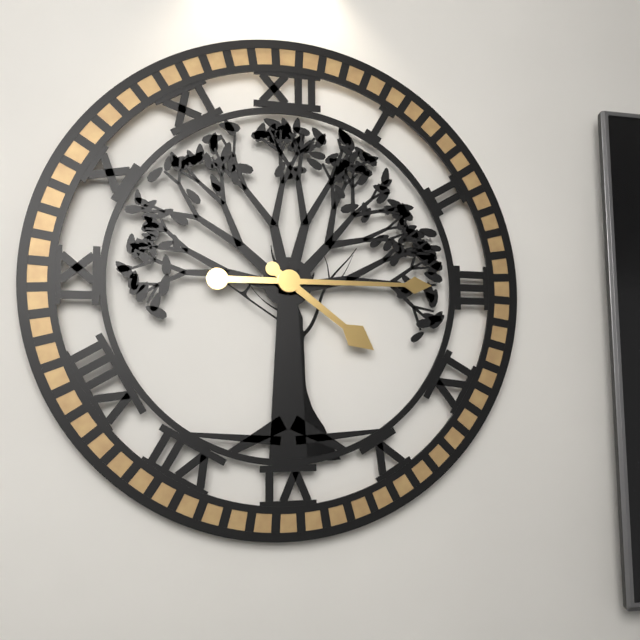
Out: 4:15
